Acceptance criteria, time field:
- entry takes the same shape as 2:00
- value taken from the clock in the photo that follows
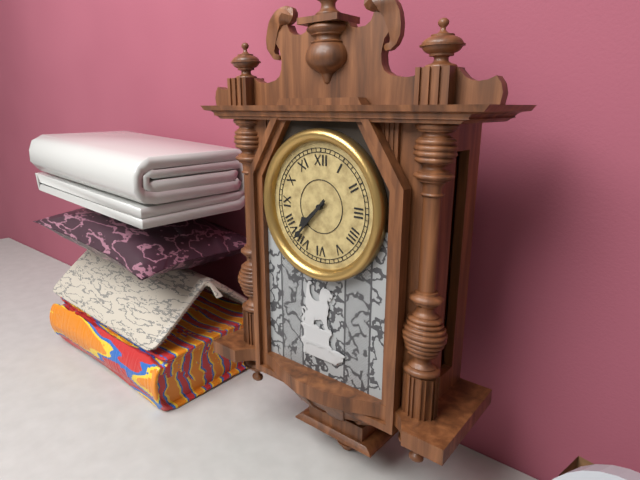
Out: 7:37
